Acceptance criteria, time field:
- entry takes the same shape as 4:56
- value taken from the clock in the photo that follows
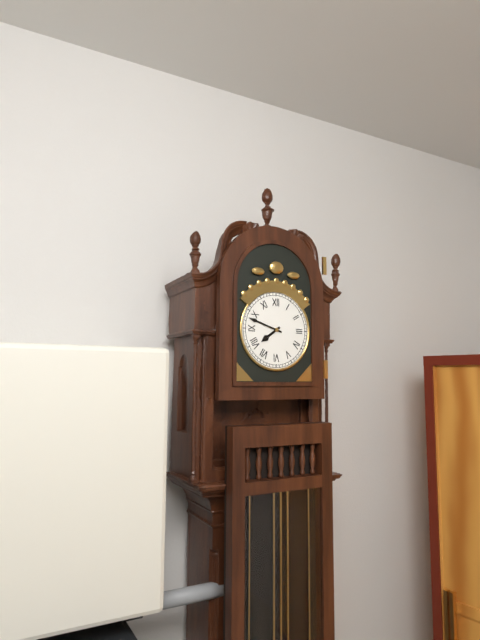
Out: 7:48
